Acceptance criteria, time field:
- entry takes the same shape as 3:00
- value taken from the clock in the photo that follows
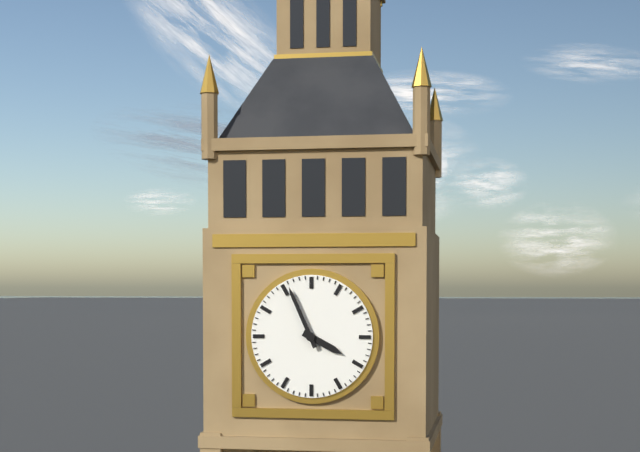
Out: 3:56
